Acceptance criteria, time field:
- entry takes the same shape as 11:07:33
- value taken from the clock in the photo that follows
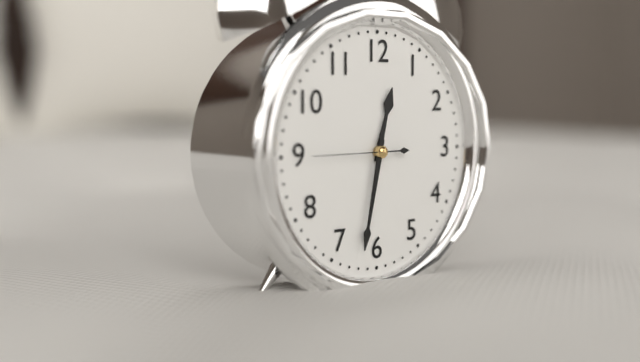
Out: 12:32:45
